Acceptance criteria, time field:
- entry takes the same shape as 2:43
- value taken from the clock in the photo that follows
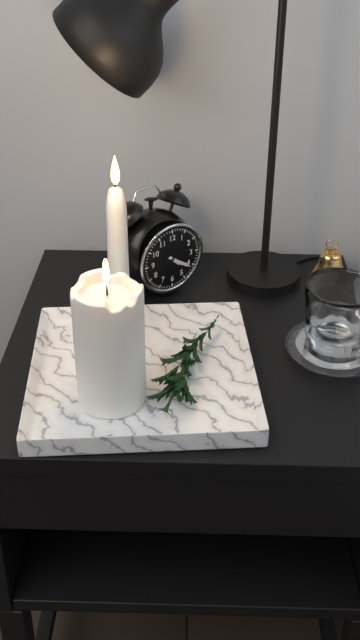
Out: 4:21
